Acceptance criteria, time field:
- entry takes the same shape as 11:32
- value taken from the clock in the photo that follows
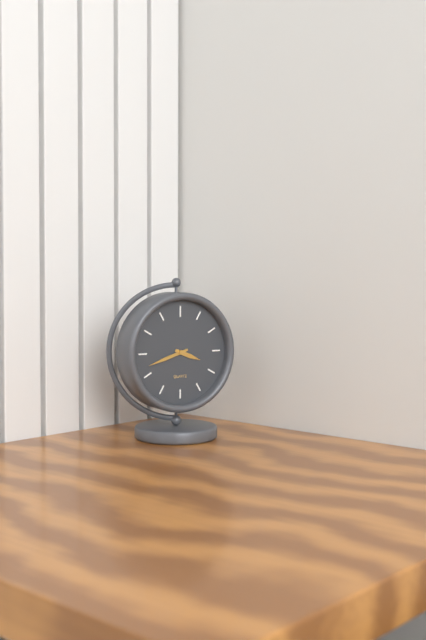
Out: 3:42
